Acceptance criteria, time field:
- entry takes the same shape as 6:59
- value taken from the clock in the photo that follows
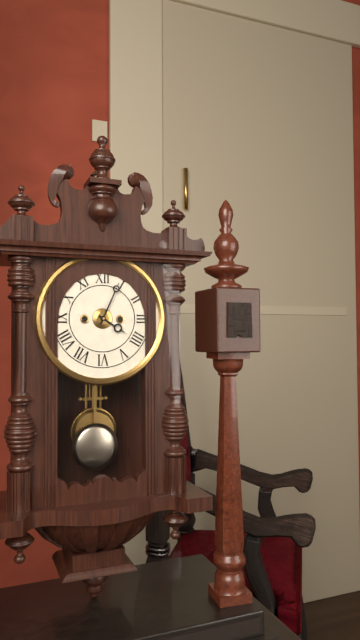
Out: 4:04
